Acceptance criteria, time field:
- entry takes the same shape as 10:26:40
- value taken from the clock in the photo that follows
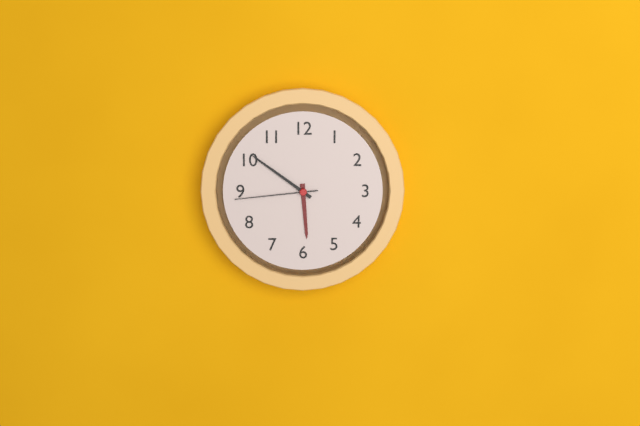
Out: 5:51:44
